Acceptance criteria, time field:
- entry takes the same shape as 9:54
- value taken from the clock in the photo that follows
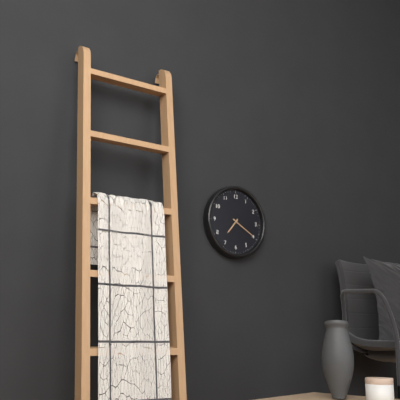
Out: 7:20
